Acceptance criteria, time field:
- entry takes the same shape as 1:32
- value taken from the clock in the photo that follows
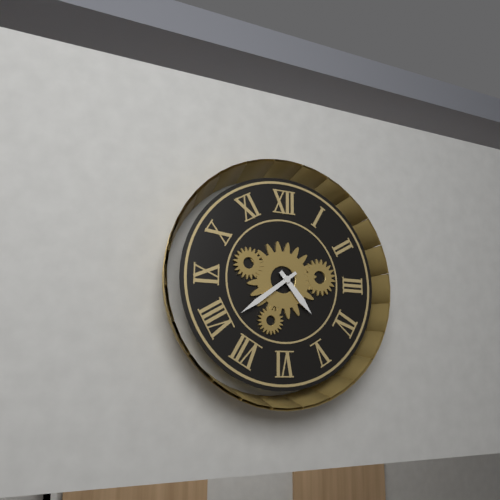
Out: 4:39
